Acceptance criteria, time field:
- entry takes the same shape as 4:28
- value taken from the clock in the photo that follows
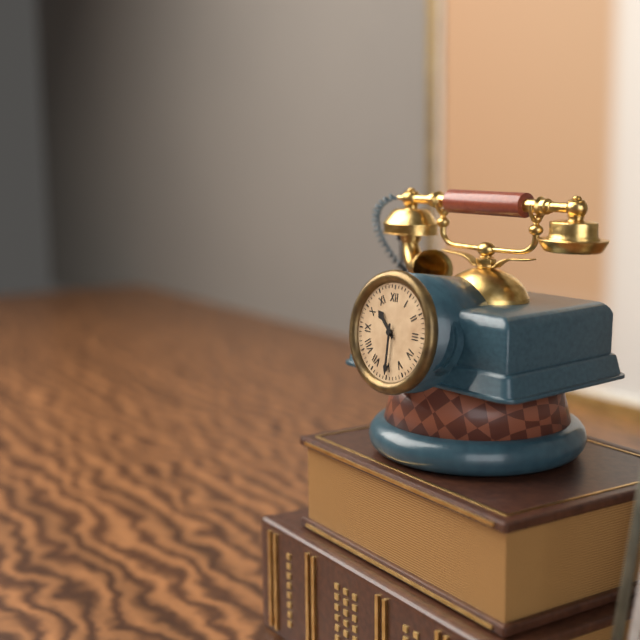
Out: 10:30
